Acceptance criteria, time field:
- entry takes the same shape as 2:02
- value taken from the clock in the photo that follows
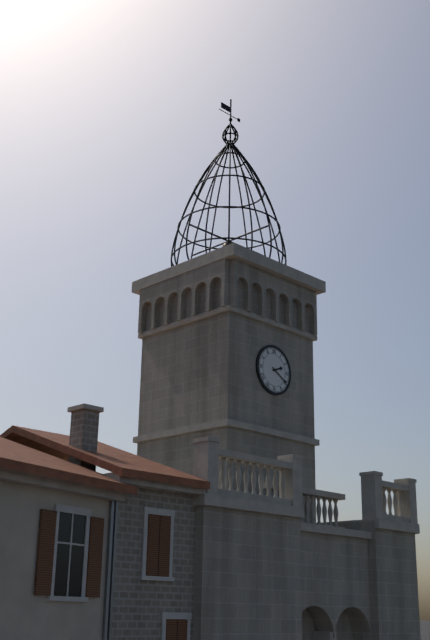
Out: 2:20
